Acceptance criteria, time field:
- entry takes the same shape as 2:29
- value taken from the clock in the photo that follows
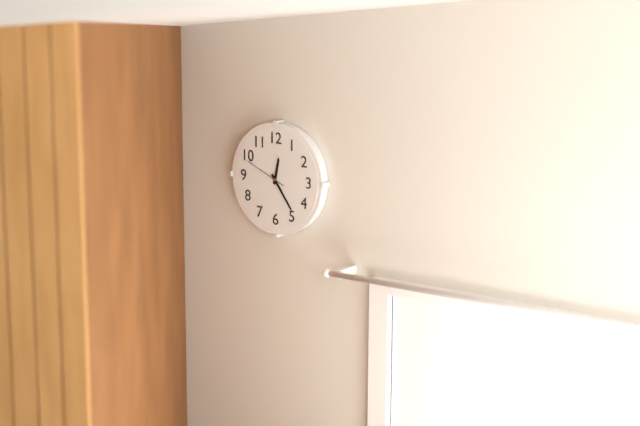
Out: 12:24
